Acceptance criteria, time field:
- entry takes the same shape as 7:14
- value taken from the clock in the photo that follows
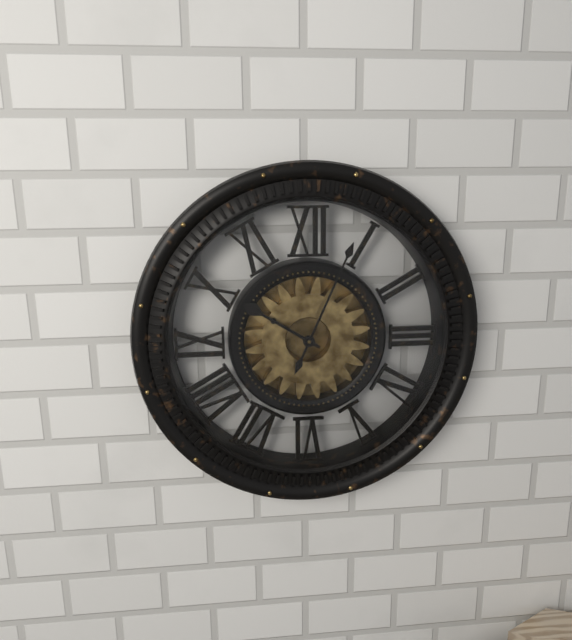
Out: 10:04
